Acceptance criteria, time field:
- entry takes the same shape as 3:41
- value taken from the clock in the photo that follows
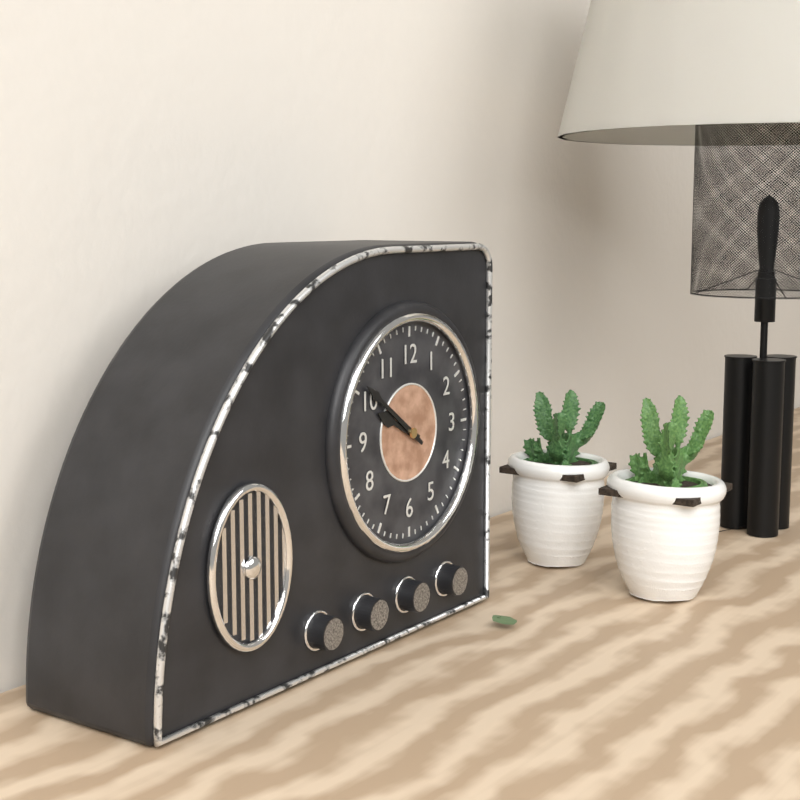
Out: 9:51
